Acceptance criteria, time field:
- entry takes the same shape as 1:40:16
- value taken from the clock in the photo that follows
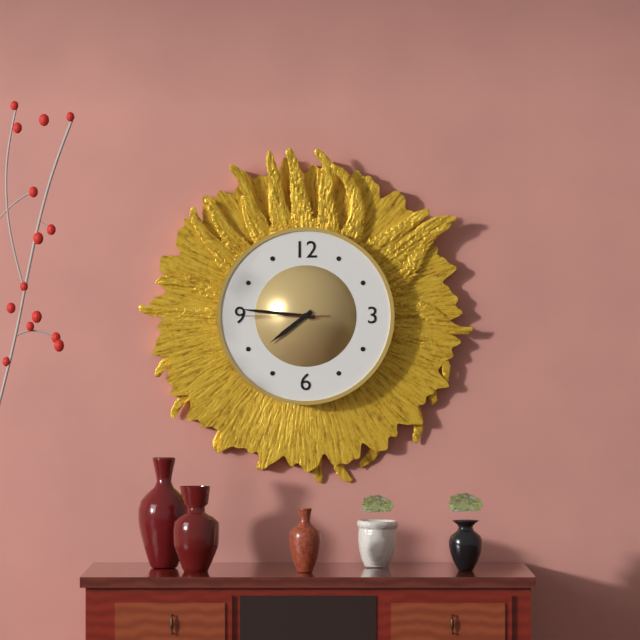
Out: 7:46:45
